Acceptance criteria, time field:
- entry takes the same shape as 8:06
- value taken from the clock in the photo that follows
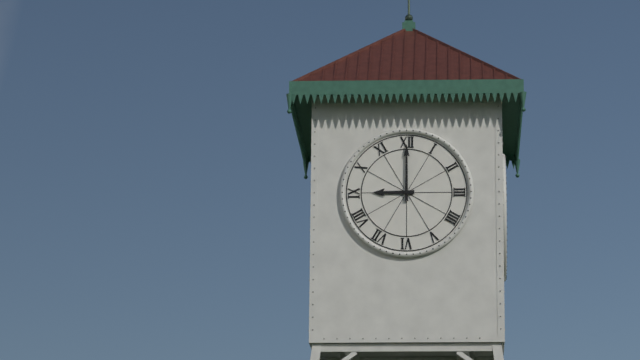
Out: 9:00
